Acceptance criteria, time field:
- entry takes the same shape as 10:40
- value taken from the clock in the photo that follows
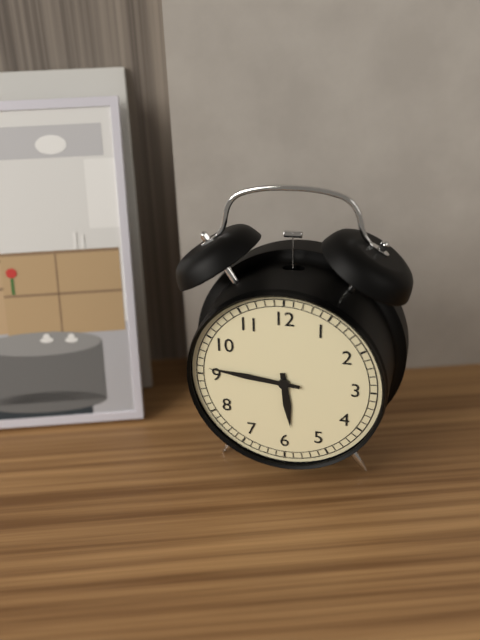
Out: 5:46
